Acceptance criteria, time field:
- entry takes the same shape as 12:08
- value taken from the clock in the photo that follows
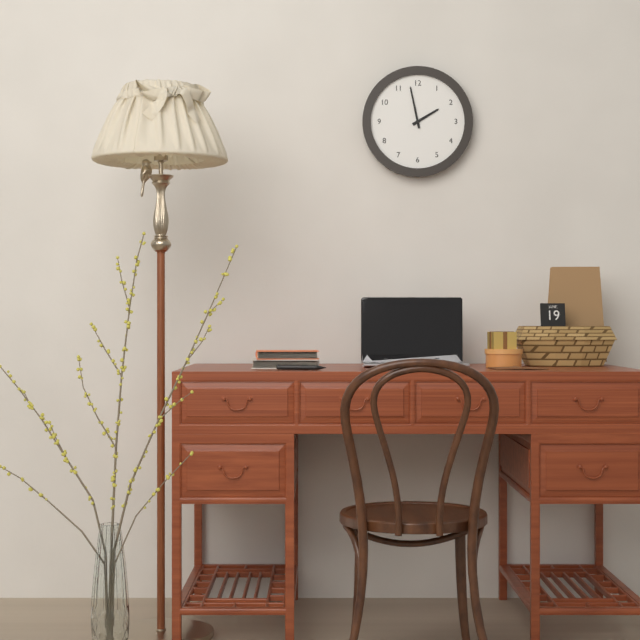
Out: 1:58
